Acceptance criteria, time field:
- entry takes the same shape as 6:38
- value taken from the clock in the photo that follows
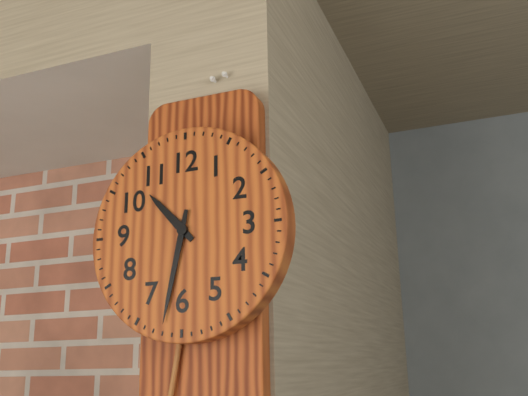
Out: 10:32
